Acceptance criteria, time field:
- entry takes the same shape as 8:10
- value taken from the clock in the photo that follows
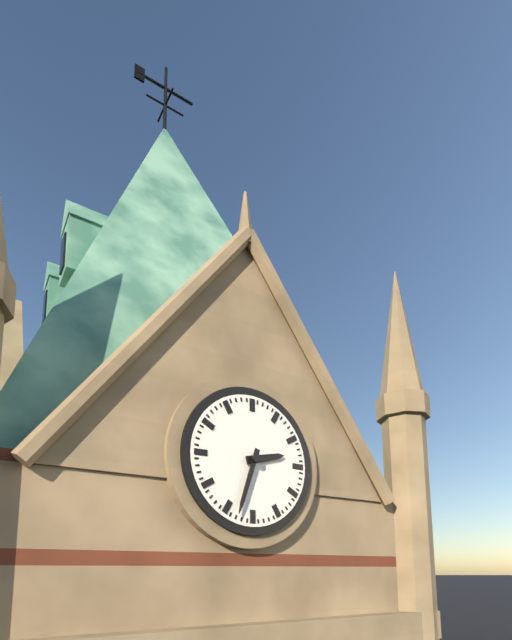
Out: 2:33
